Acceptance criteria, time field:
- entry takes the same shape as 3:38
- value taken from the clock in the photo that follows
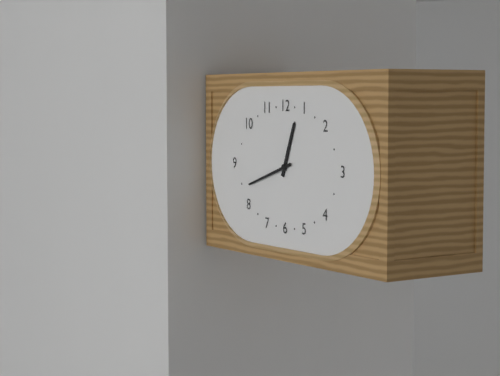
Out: 12:42
